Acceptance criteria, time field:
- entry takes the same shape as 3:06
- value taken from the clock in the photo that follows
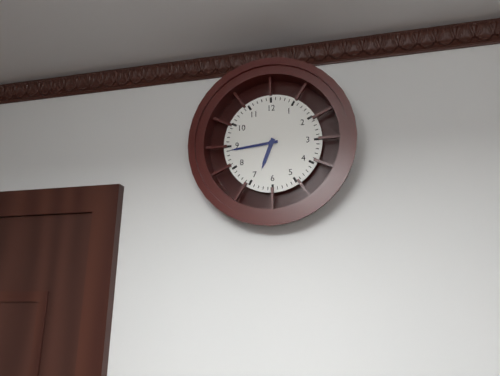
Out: 6:44
